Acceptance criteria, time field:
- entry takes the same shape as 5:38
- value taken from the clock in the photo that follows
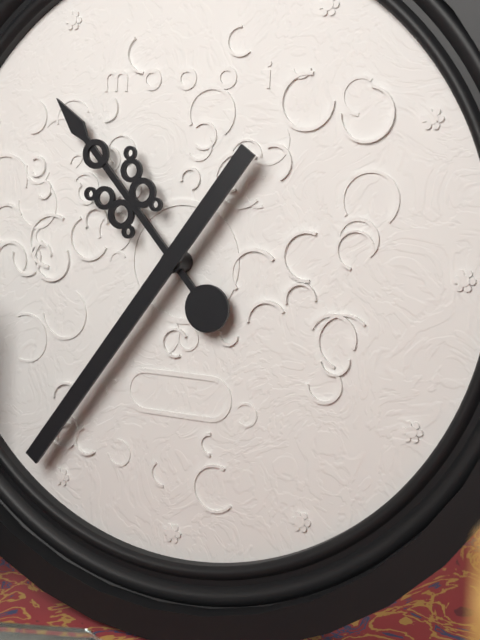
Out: 10:36
